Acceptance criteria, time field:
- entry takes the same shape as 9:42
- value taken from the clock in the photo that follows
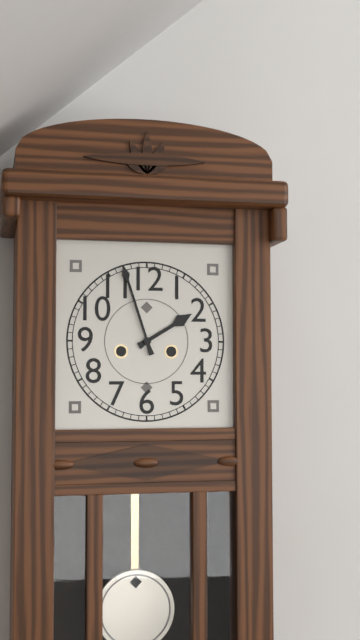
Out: 1:57
